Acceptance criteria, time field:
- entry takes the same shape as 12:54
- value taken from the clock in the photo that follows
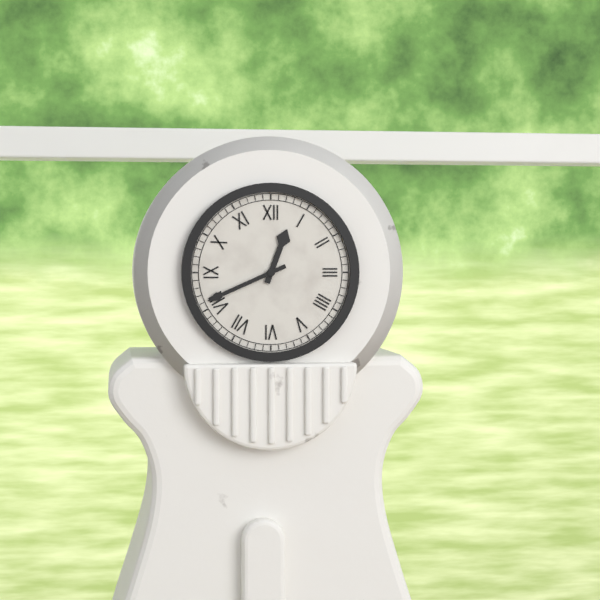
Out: 12:41
